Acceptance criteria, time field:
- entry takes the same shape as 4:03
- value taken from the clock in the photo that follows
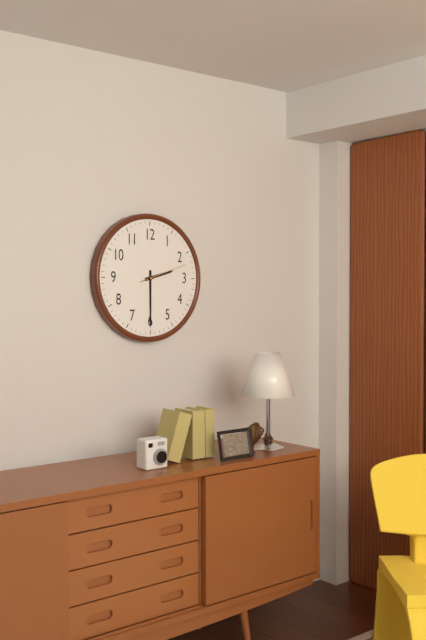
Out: 2:30
